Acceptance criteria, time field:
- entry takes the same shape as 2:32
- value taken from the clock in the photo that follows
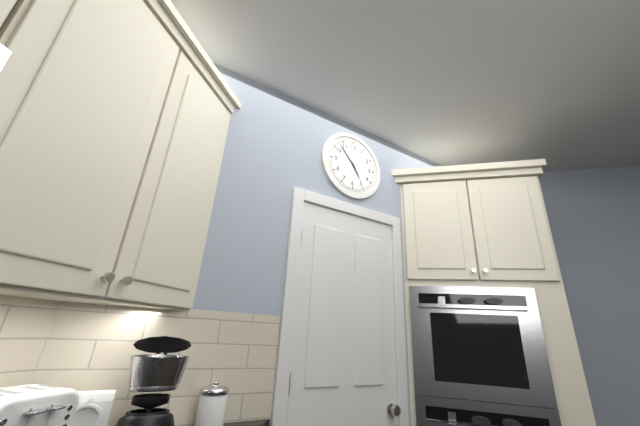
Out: 4:53
